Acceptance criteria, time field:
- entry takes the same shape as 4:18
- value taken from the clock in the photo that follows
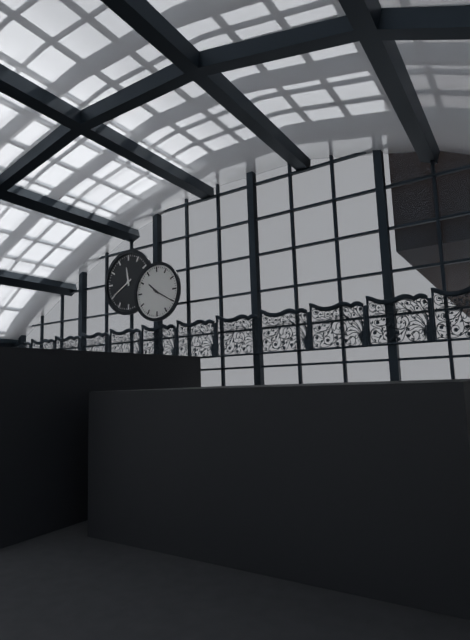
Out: 10:20
